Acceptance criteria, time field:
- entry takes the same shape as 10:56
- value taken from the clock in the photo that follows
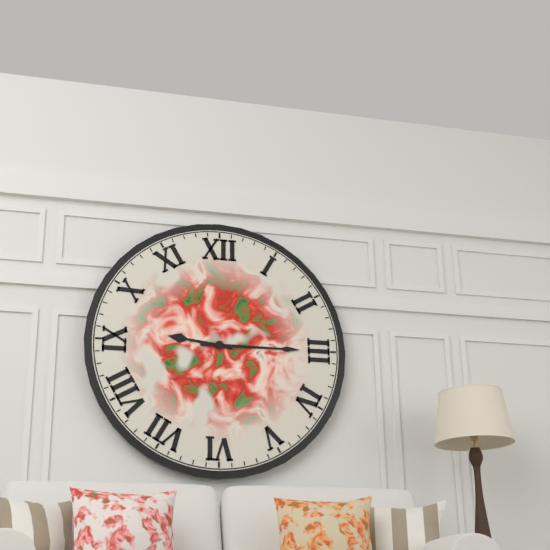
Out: 9:15
